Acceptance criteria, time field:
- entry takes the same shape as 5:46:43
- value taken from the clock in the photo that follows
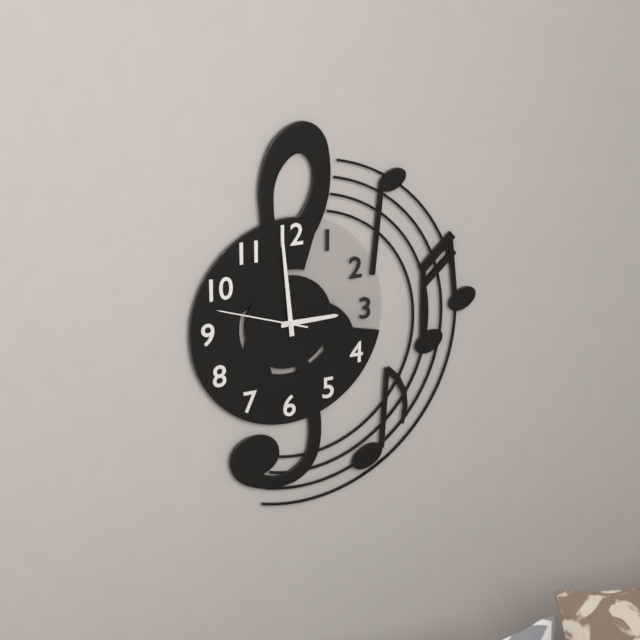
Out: 2:59:48
